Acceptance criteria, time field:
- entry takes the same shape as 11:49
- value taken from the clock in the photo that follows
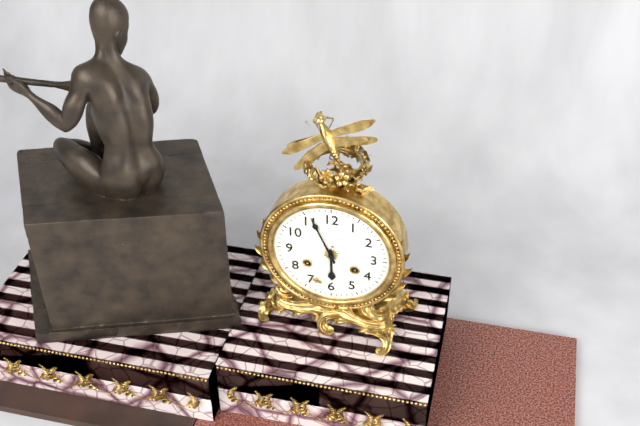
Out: 5:56
